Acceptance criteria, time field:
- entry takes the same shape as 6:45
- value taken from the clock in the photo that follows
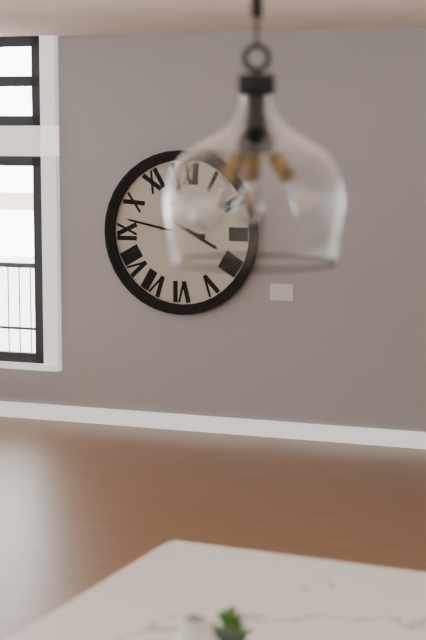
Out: 3:47
